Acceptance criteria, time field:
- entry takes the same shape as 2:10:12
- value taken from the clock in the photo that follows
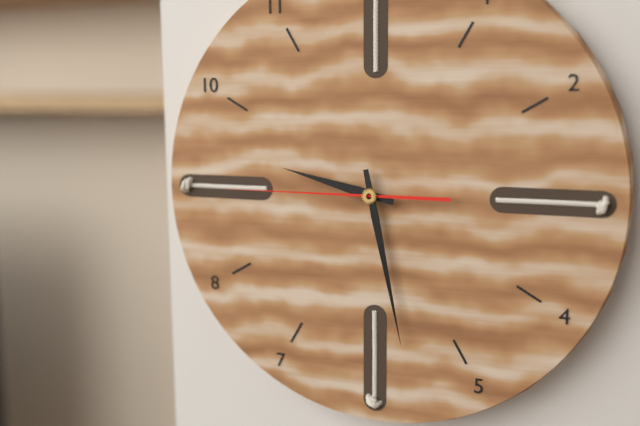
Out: 9:28:45
